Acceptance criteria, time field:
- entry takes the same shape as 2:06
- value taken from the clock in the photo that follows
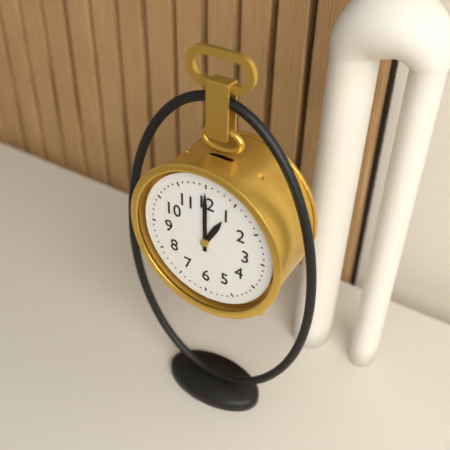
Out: 1:00
